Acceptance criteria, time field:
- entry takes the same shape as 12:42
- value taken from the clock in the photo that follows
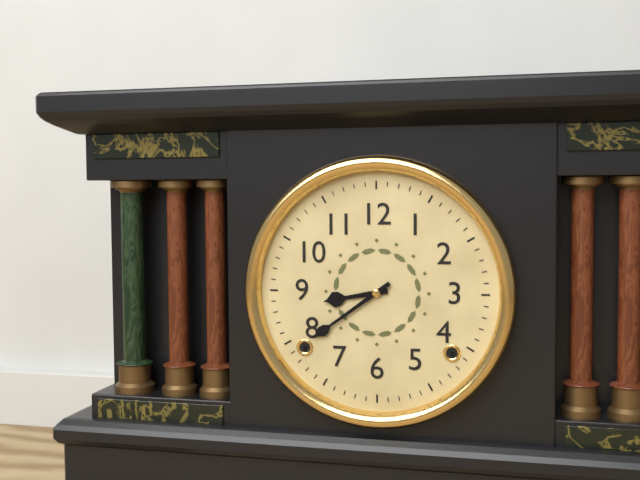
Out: 8:39
